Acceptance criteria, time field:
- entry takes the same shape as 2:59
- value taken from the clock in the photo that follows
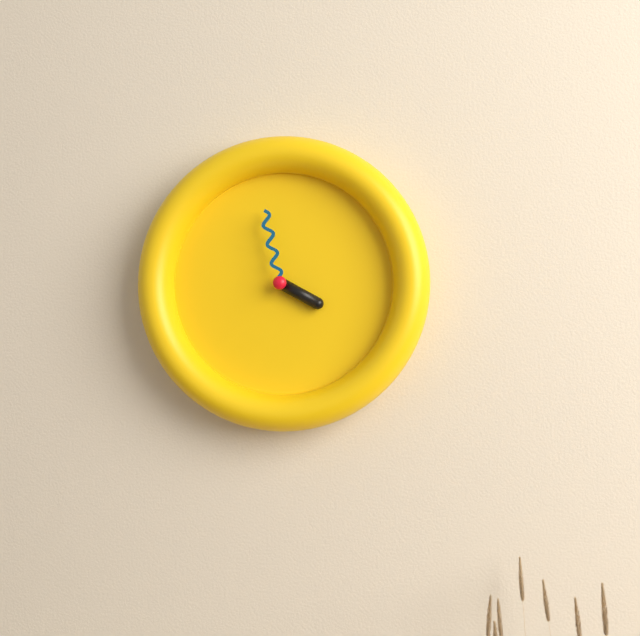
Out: 3:58
